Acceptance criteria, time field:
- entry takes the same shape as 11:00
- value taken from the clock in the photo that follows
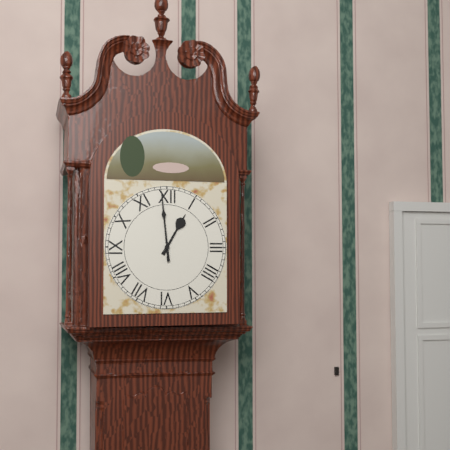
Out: 12:59
